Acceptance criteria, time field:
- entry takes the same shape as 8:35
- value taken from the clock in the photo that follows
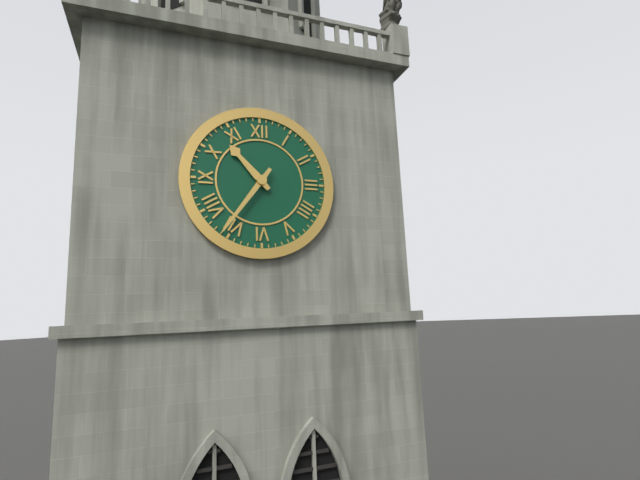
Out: 10:36
